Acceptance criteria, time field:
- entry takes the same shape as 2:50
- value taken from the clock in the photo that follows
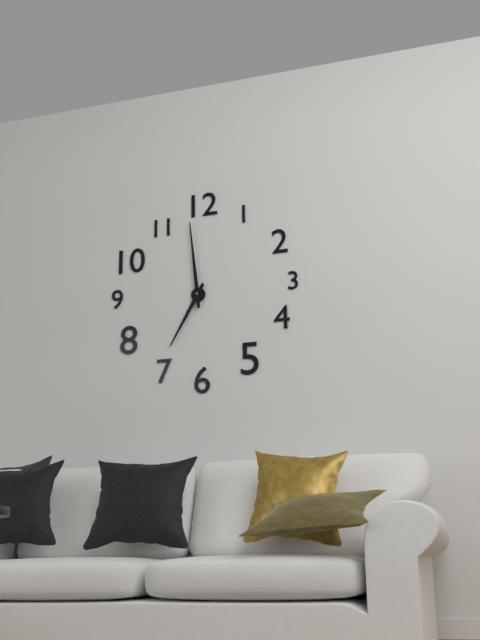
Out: 6:59
